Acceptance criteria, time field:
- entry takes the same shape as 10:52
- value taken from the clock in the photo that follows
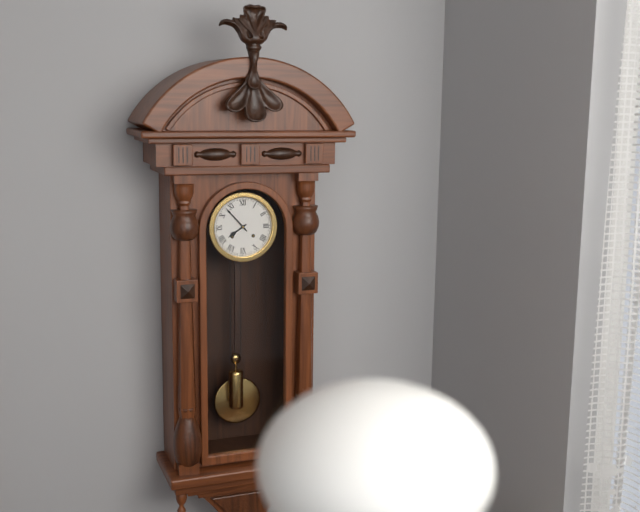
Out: 7:53
